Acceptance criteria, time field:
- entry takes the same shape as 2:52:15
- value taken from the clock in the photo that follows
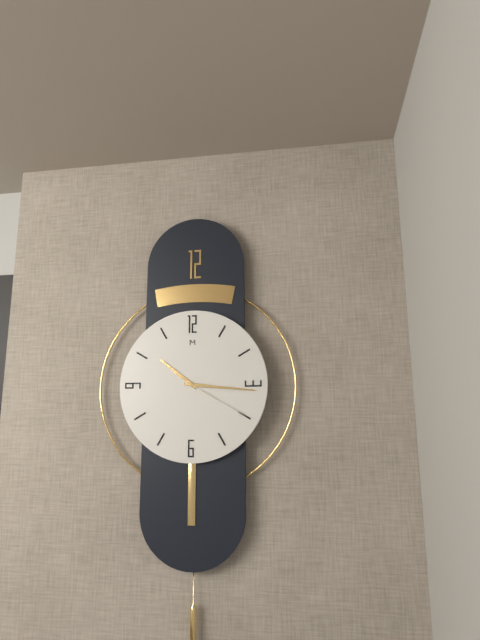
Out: 10:16:20
